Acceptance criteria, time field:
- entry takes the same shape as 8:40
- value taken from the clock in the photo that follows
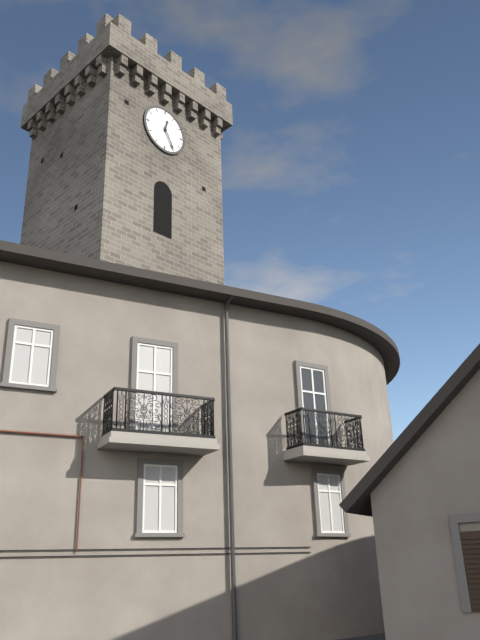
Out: 12:25
